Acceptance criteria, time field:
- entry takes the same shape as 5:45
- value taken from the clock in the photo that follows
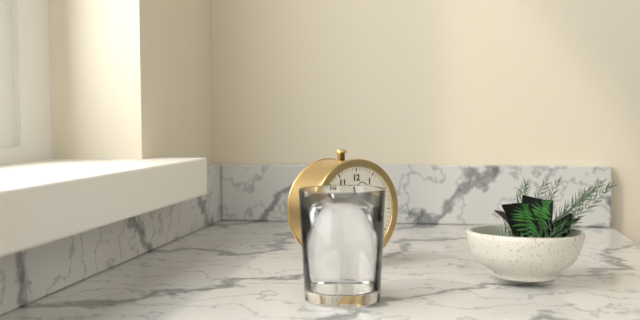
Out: 11:35
